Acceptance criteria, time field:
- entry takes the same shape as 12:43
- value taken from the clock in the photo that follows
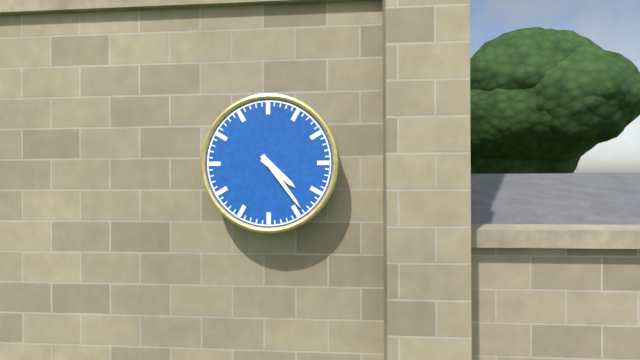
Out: 4:24
